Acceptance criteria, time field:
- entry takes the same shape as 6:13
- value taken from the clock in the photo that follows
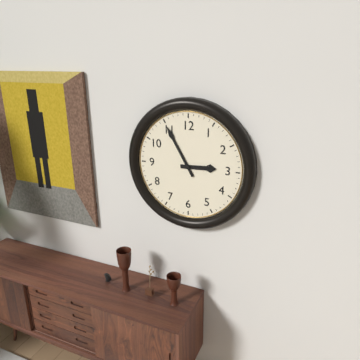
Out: 2:55
